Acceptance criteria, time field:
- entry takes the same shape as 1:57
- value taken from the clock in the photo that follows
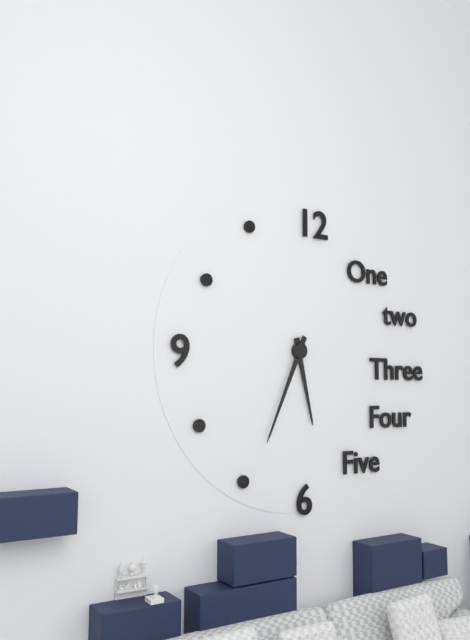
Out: 5:34
